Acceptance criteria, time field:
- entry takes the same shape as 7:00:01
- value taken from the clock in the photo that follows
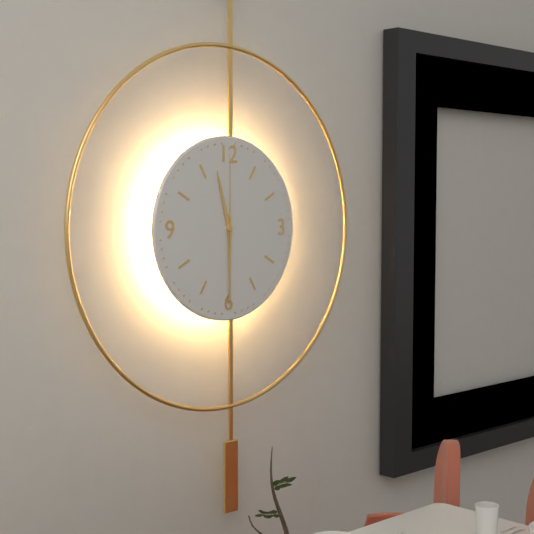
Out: 11:30:00
